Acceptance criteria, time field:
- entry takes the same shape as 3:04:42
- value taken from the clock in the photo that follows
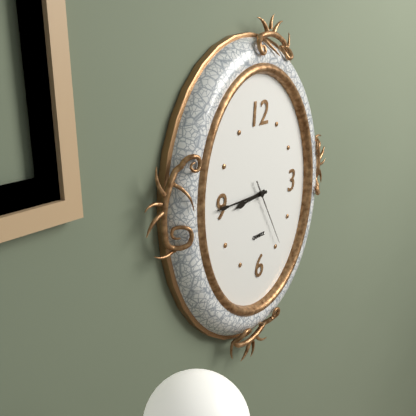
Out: 8:45:25
